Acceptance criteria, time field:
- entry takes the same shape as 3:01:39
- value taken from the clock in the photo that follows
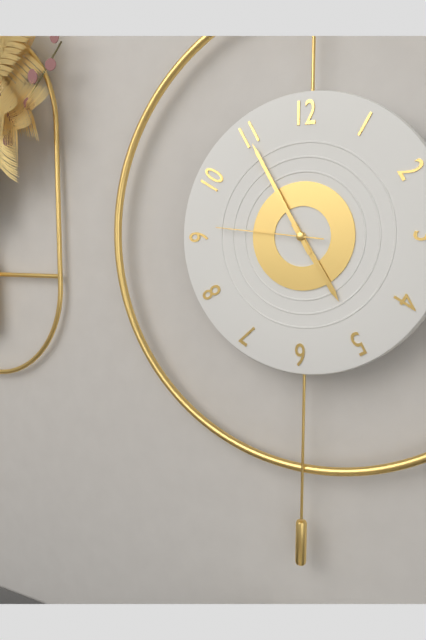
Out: 4:55:46
